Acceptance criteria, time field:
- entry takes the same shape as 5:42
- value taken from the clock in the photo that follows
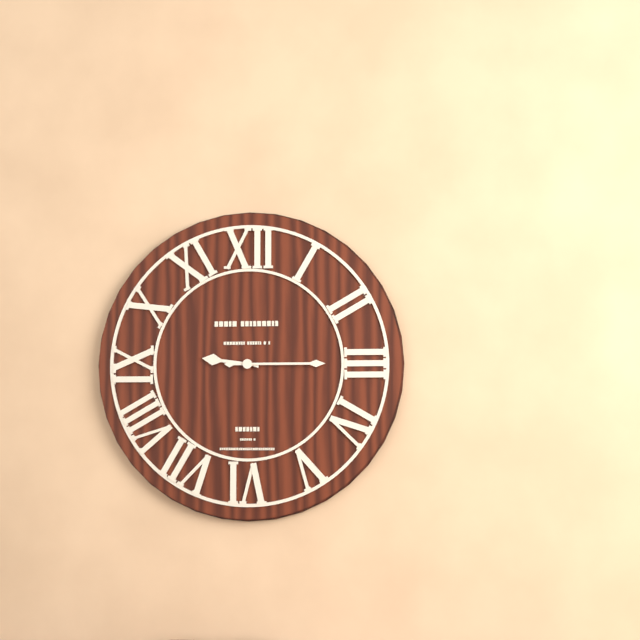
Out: 9:15
